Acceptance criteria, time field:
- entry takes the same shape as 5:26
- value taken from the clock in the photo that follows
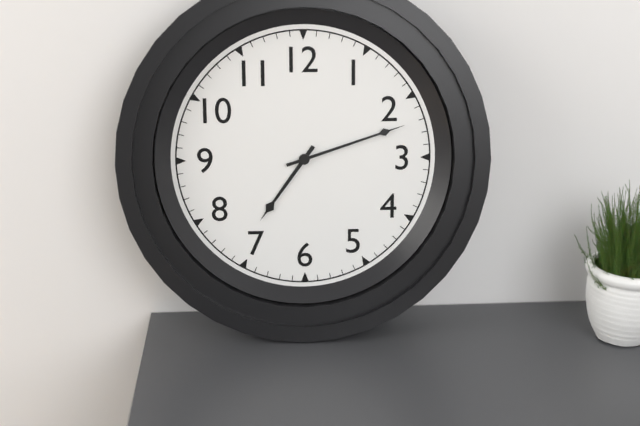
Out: 7:12
